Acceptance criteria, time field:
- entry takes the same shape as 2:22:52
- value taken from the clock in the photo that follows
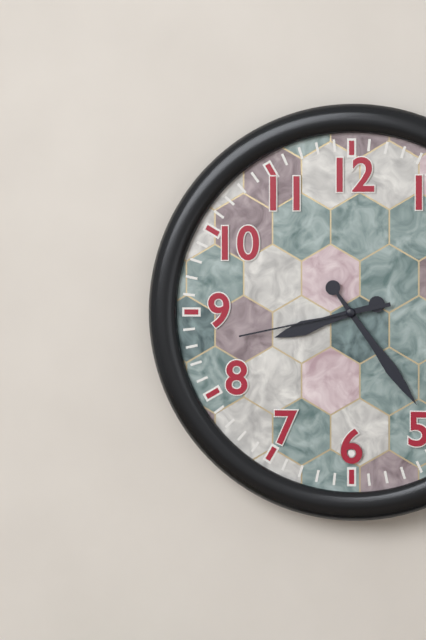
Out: 8:24:43
